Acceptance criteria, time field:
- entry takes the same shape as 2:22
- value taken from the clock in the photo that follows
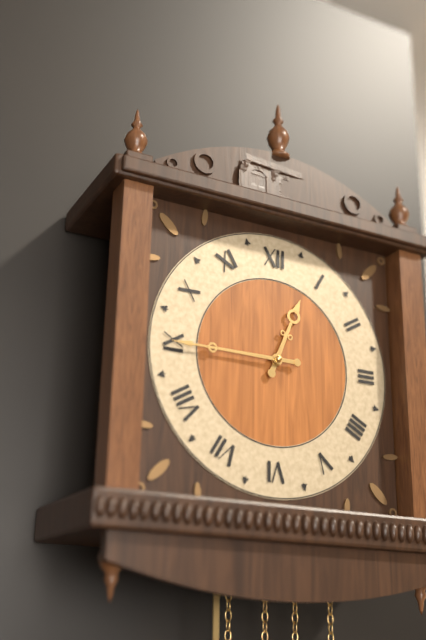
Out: 12:45
